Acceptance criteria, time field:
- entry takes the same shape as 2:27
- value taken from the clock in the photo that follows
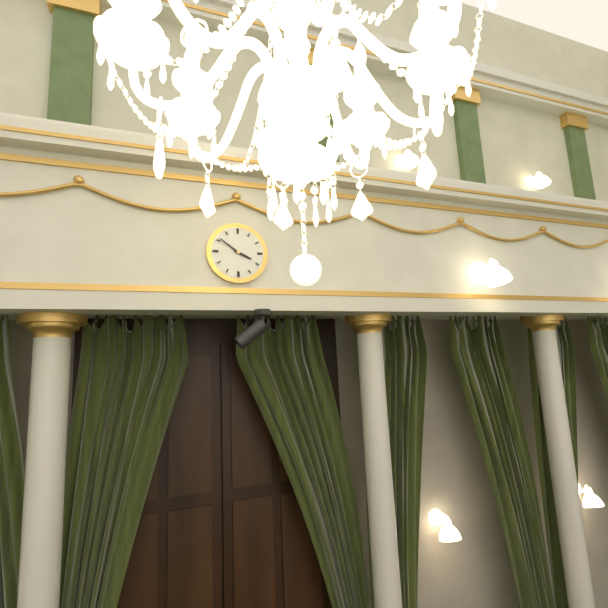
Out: 3:51
